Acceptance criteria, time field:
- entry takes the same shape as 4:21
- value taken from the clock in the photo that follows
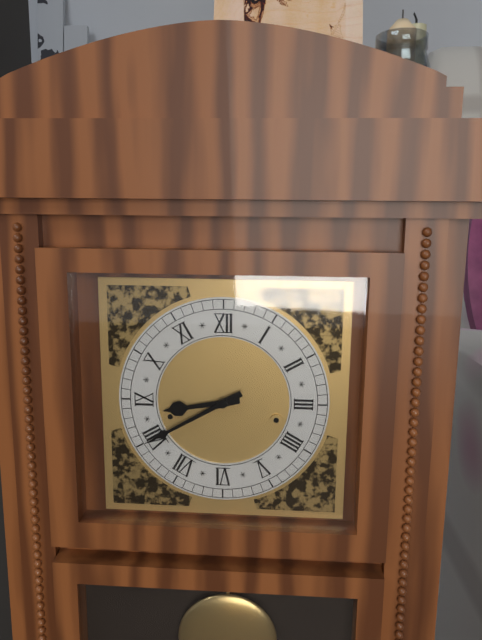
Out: 8:40
